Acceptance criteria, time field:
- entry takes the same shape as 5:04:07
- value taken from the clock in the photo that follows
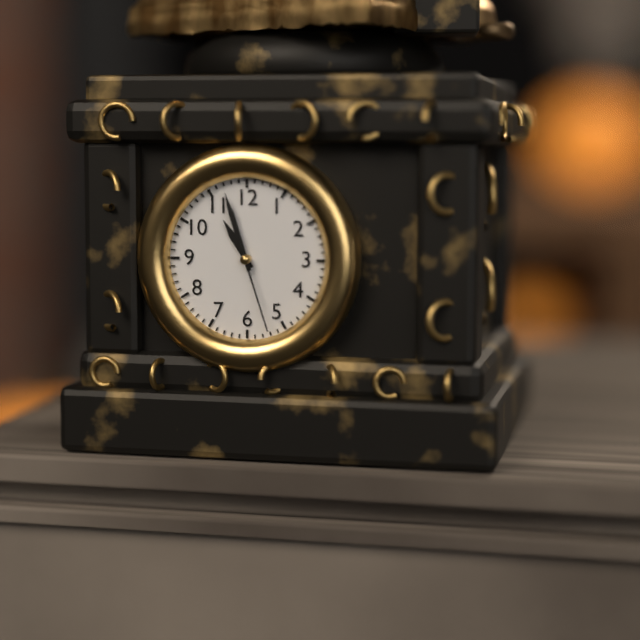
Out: 10:57:27
